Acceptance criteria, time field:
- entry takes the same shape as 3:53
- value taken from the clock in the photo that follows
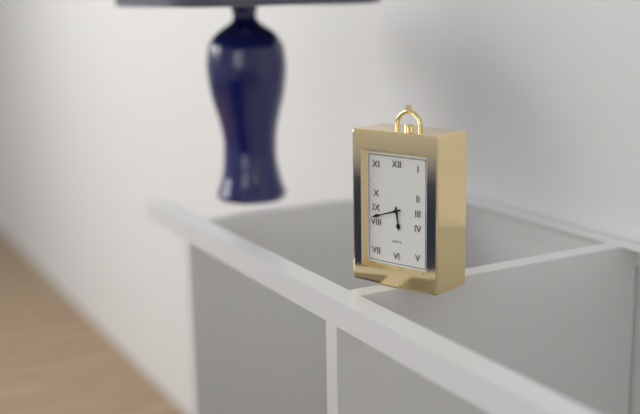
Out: 5:42
